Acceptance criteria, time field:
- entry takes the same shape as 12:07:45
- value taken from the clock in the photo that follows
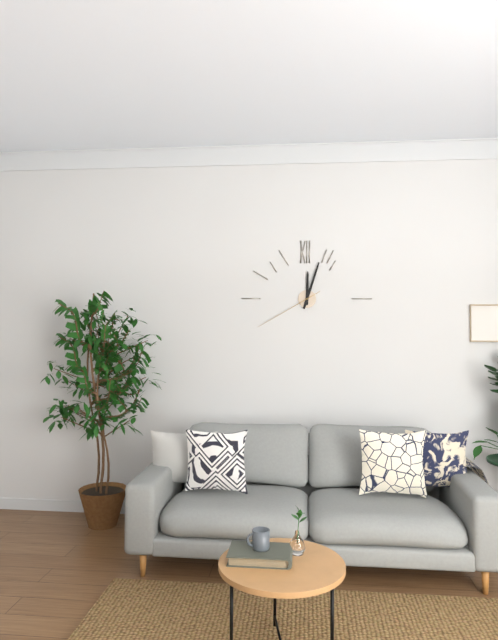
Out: 12:03:40
